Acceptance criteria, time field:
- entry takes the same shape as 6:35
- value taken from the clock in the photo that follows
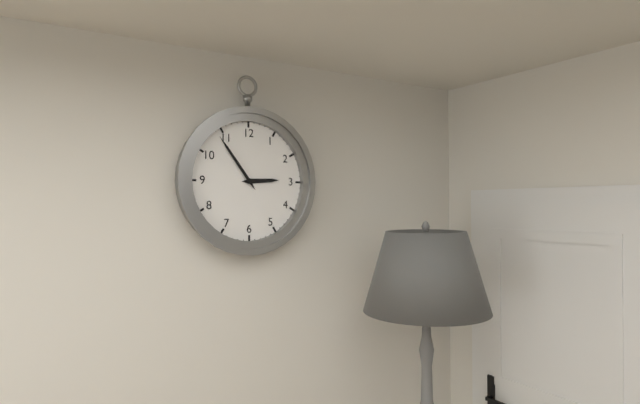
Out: 2:54
